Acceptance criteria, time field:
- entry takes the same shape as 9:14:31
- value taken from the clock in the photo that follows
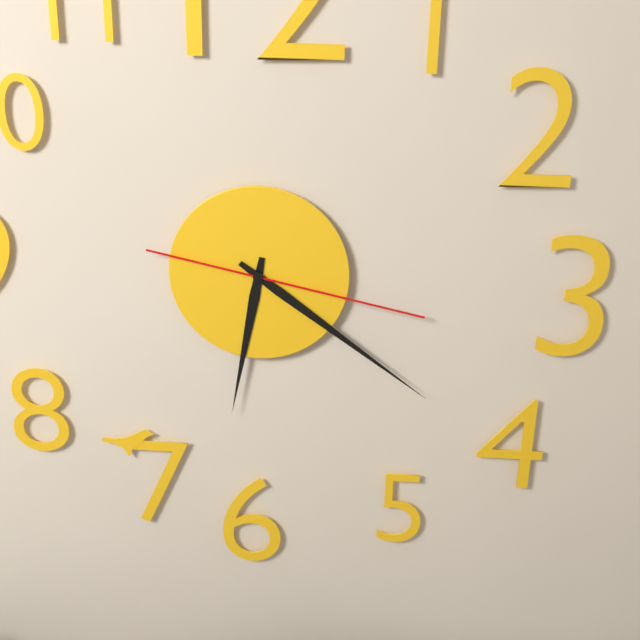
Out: 6:21:17
